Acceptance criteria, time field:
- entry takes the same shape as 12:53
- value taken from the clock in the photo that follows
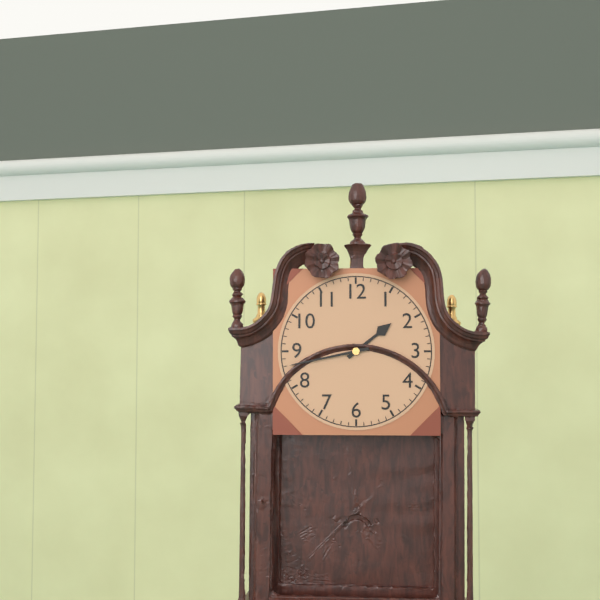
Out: 1:43
